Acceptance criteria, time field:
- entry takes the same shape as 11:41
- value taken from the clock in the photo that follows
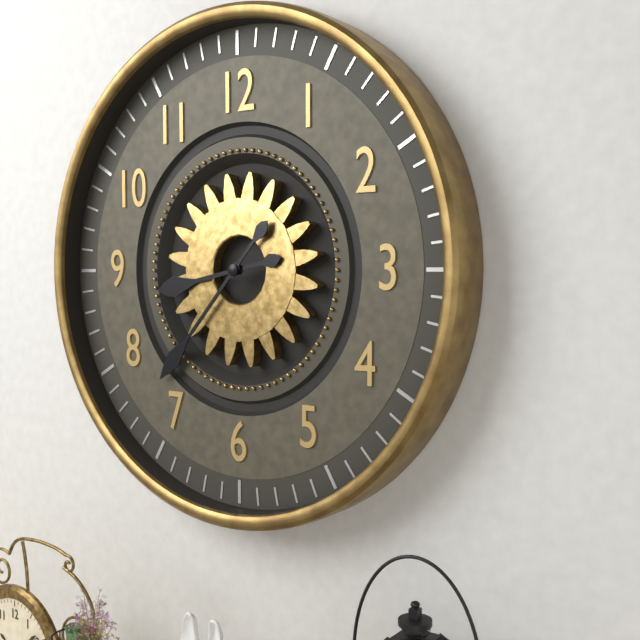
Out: 8:37
